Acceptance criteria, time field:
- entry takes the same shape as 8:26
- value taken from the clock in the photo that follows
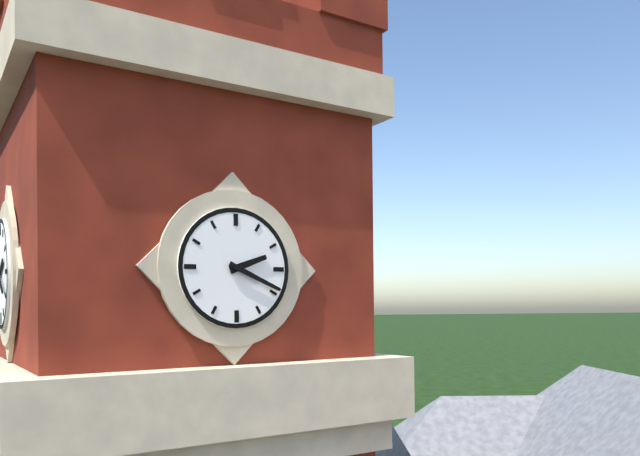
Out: 2:19
